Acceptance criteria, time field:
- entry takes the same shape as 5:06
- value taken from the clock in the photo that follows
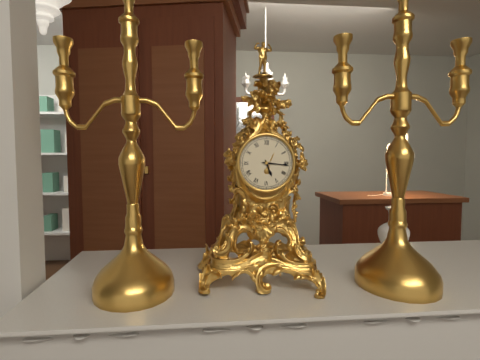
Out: 5:16
